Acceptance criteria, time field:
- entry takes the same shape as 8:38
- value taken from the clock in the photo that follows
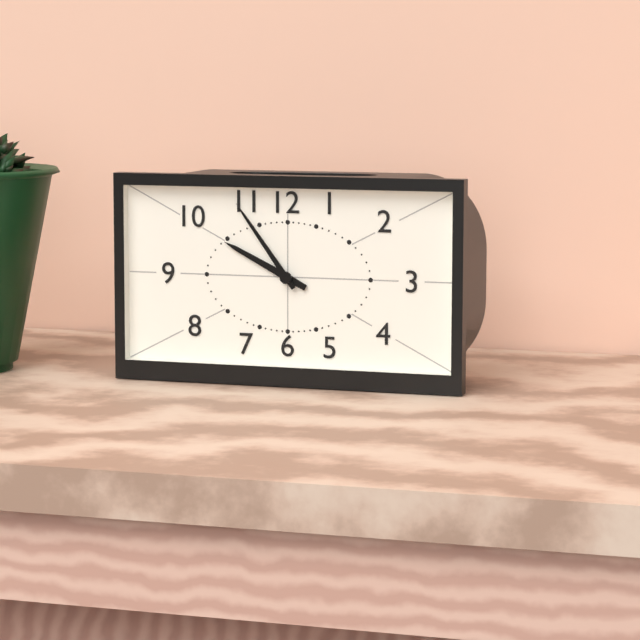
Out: 9:54
